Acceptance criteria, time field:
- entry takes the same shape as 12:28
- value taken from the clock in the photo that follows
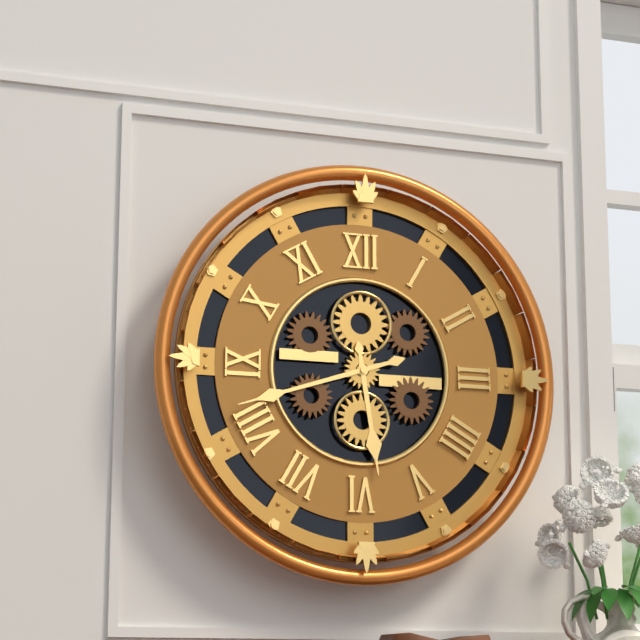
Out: 5:42
